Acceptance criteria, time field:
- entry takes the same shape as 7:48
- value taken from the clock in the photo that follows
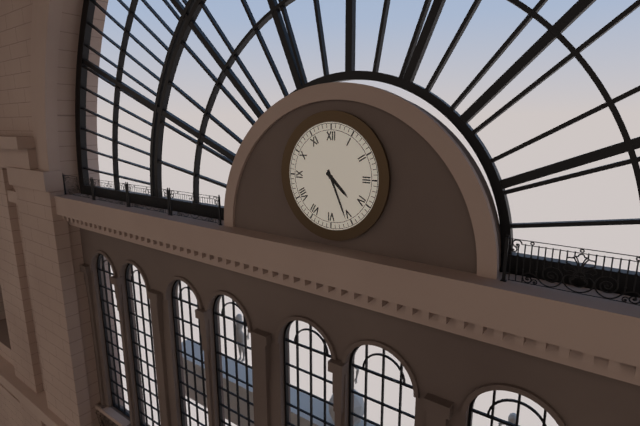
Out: 4:26
